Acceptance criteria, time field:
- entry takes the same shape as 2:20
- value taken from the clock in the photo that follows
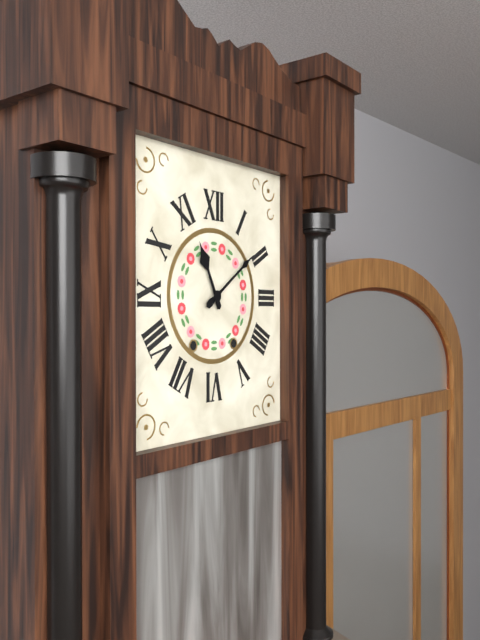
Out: 11:09
